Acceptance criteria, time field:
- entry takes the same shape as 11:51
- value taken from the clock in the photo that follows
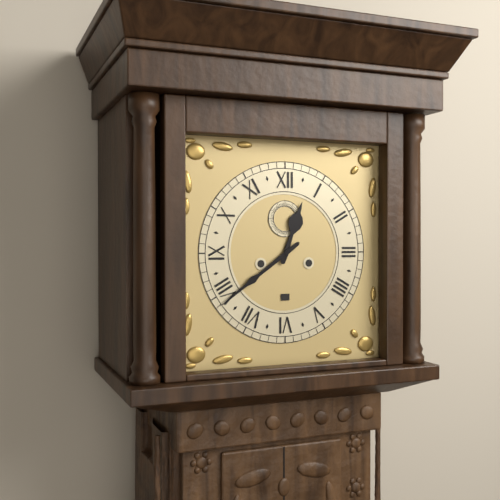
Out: 12:39
